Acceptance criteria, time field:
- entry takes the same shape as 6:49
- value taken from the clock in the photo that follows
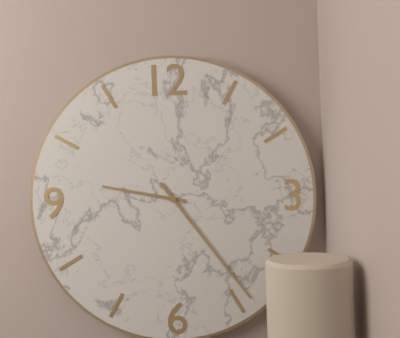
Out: 9:24
